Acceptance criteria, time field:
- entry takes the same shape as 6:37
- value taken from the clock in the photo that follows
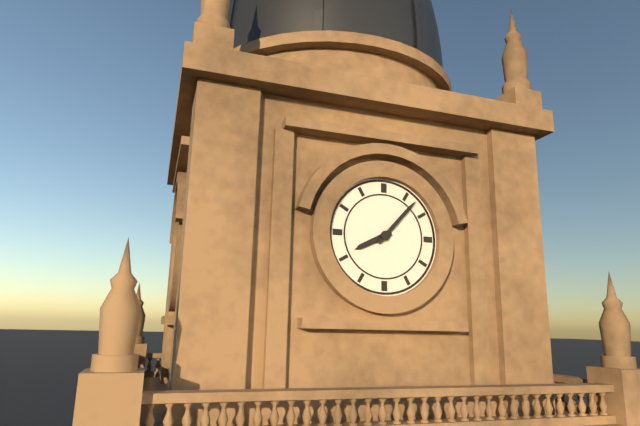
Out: 8:07
